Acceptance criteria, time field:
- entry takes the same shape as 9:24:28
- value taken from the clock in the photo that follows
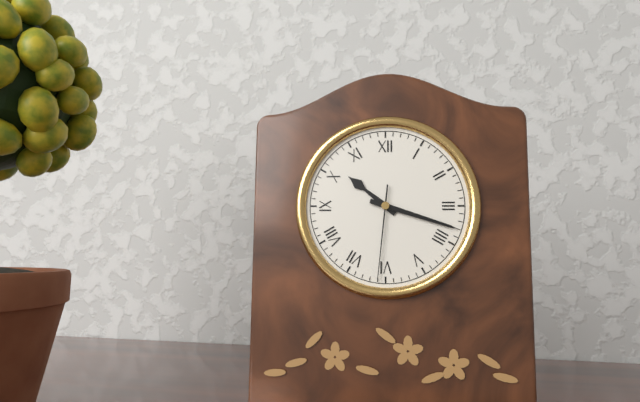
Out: 10:18:31
